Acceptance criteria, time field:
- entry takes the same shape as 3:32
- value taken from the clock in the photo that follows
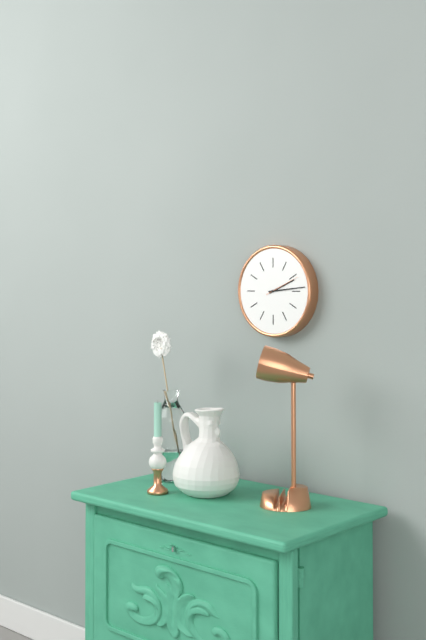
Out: 2:14
